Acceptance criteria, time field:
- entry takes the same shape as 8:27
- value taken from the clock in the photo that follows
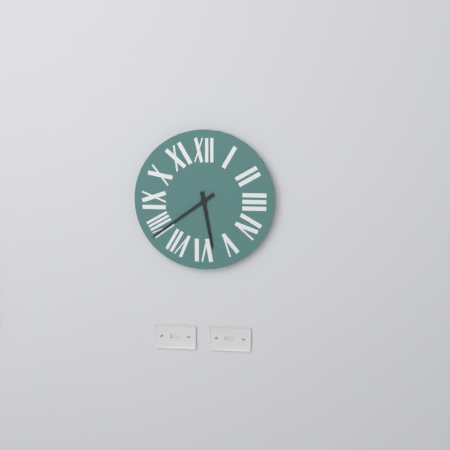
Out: 5:39
